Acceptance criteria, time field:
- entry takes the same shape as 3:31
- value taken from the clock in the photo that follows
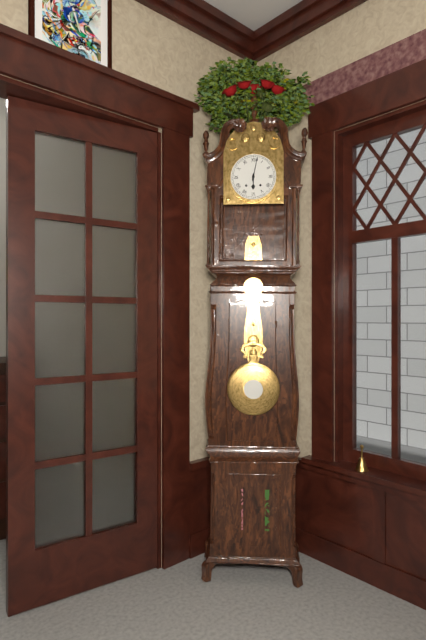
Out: 6:02
